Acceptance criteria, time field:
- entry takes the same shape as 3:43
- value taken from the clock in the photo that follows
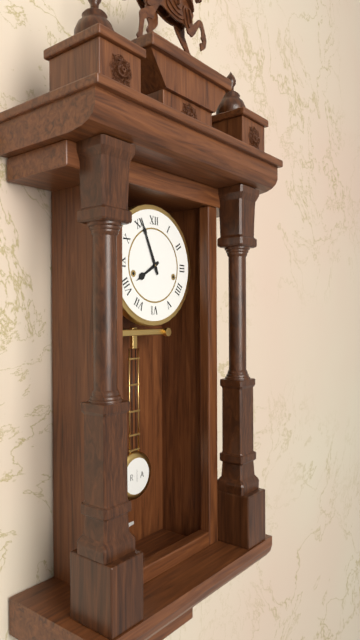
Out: 7:56
